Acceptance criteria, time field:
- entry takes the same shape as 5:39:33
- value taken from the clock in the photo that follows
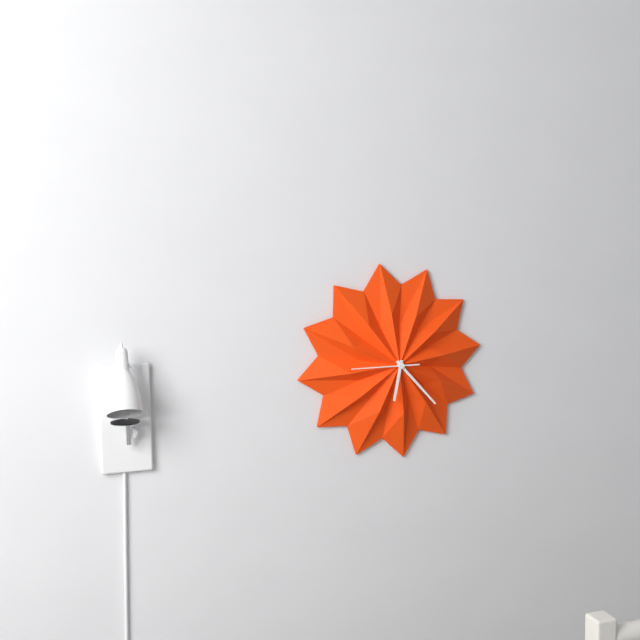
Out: 6:23:45
